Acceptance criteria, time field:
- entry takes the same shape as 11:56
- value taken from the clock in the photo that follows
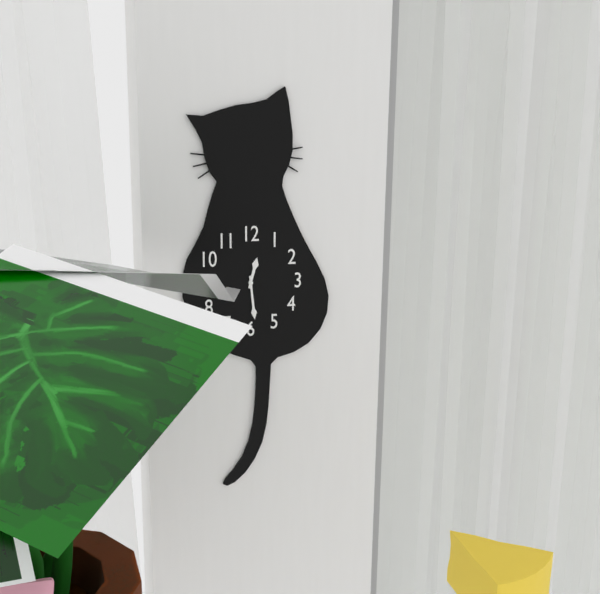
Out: 12:29
